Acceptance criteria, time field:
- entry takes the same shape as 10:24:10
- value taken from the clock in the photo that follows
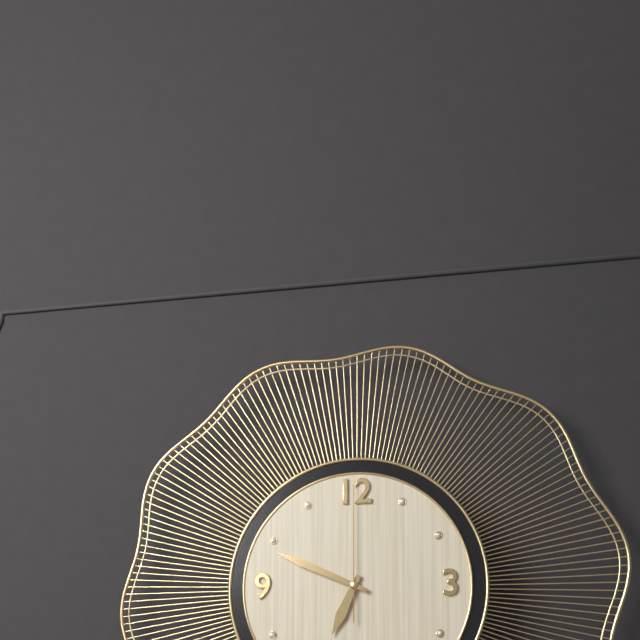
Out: 6:49:00
